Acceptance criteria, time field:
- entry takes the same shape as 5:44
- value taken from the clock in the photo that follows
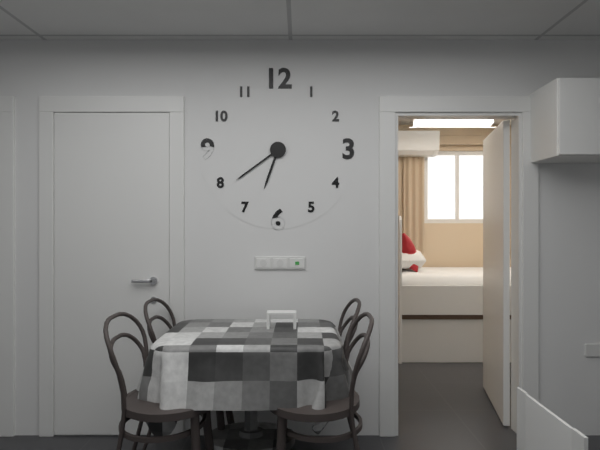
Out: 6:39
